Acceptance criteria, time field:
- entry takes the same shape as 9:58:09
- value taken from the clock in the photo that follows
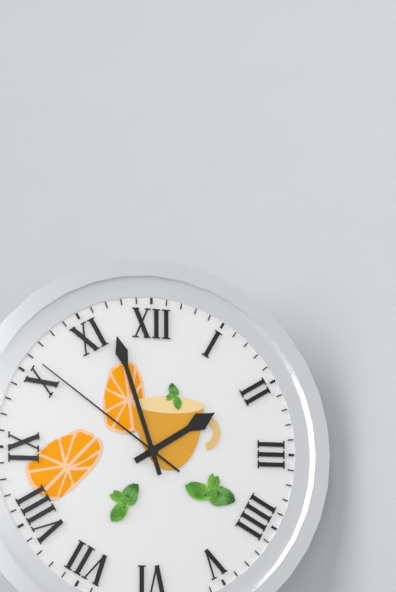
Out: 1:57:51
